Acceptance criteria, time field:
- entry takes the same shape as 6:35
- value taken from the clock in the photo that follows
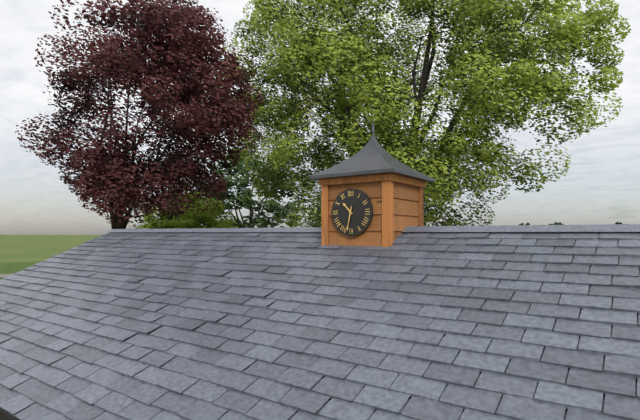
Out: 10:32
